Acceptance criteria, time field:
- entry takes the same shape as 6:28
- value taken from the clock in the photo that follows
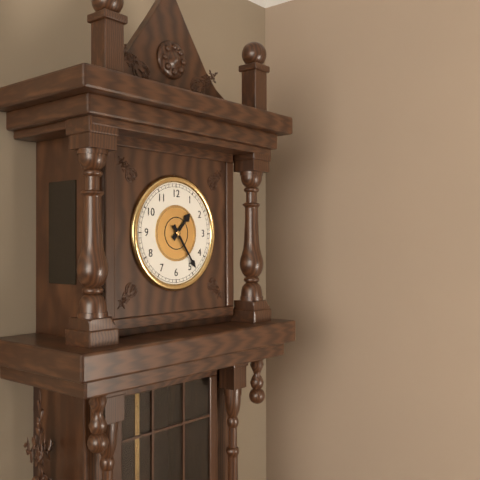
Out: 1:24
